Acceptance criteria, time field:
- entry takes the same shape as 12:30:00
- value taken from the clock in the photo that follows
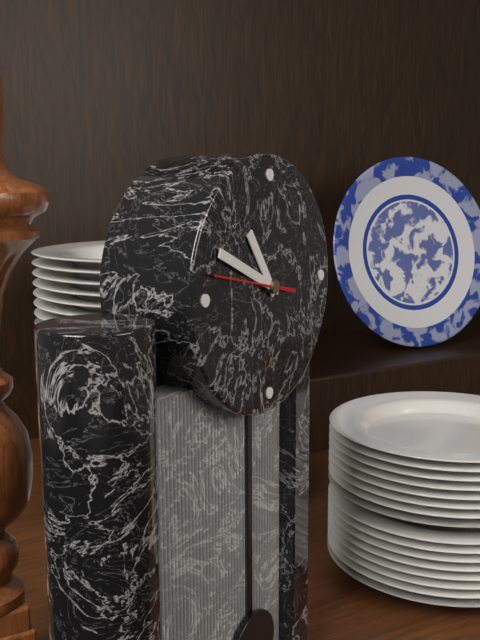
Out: 10:49:47
